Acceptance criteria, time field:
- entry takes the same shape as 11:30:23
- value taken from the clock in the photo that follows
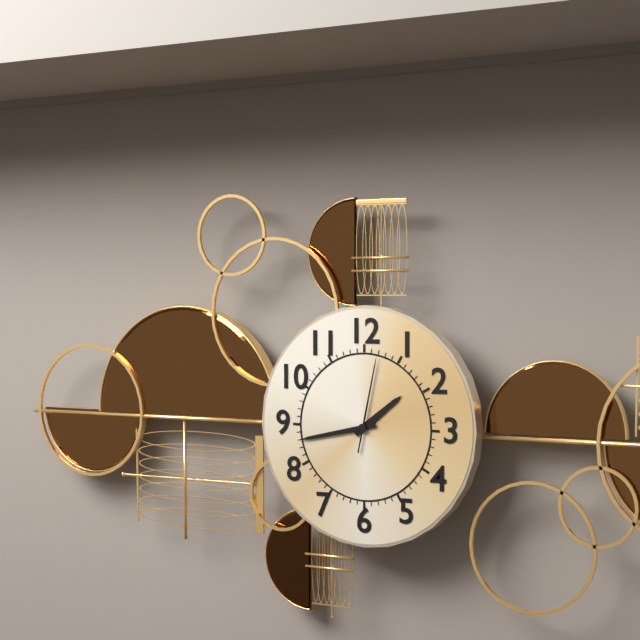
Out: 1:43:02
